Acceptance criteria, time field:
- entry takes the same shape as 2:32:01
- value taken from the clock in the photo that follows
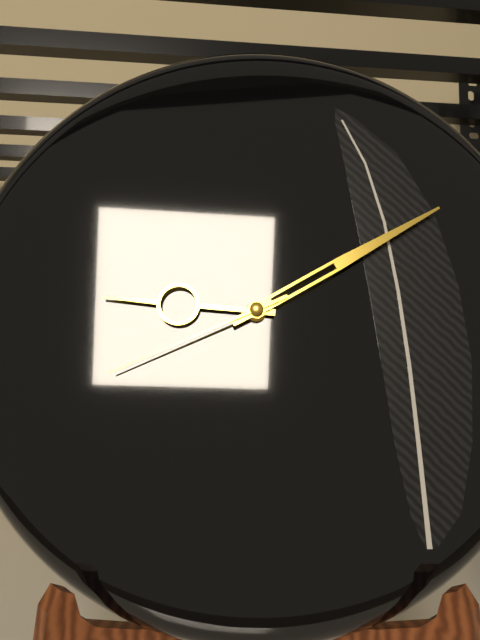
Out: 9:10:41
